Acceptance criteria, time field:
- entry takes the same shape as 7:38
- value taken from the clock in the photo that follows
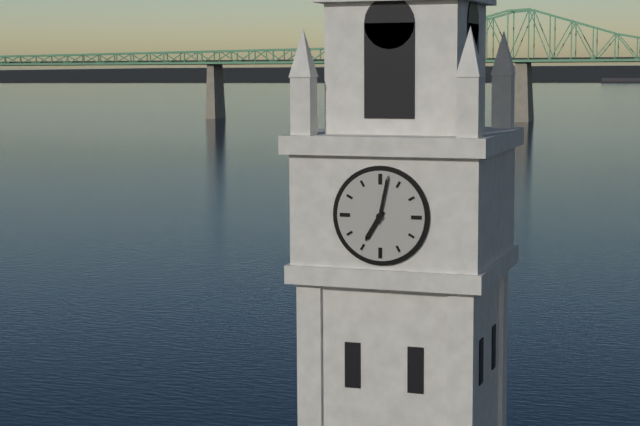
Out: 7:02
